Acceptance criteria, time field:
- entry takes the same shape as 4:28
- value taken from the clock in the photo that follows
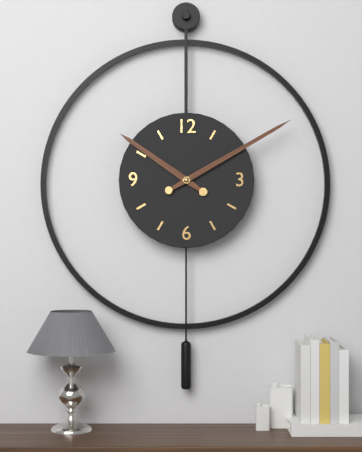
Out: 10:10
